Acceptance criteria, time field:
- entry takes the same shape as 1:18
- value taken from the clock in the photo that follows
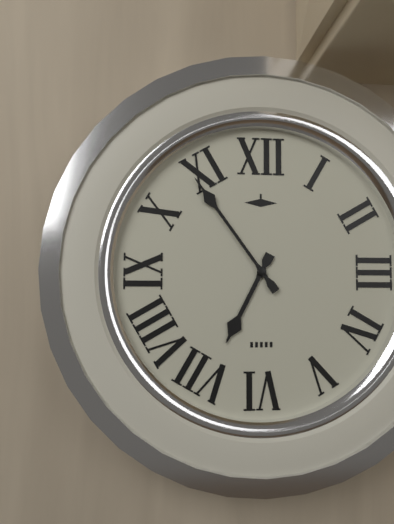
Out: 6:54
